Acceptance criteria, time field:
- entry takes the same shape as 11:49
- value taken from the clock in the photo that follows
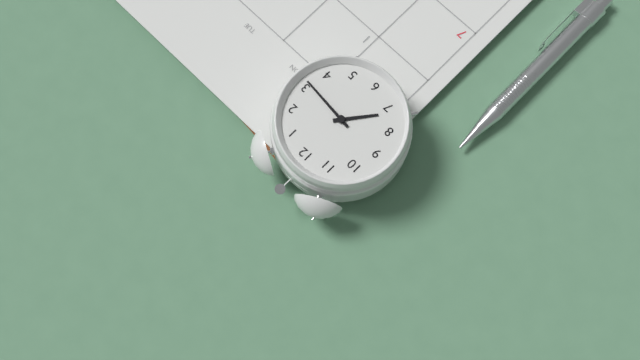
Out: 7:16
